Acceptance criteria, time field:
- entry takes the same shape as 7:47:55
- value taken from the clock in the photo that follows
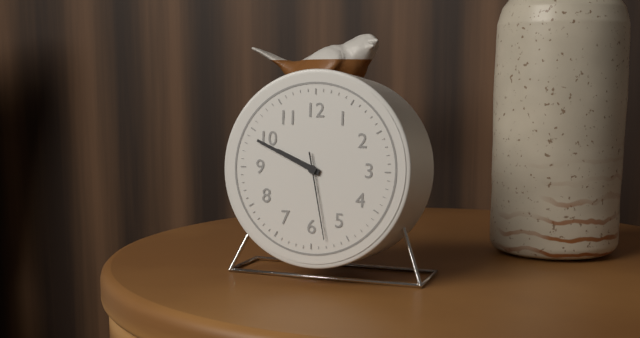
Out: 9:49:28
